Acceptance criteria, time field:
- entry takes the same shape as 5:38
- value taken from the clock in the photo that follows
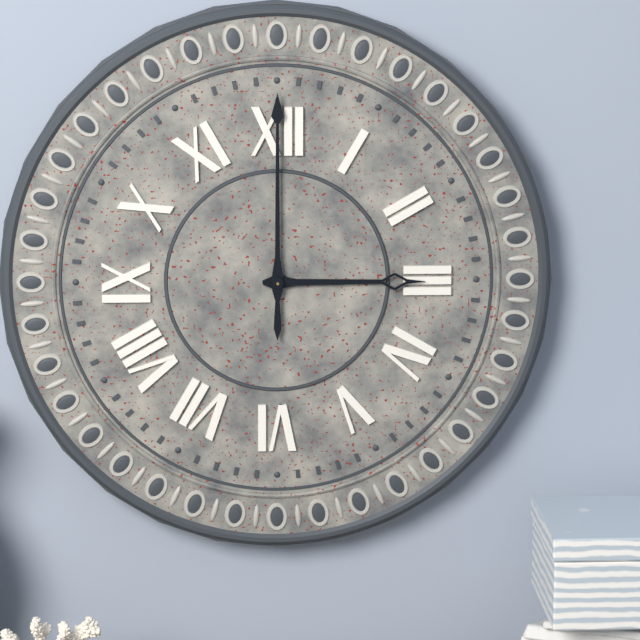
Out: 3:00
